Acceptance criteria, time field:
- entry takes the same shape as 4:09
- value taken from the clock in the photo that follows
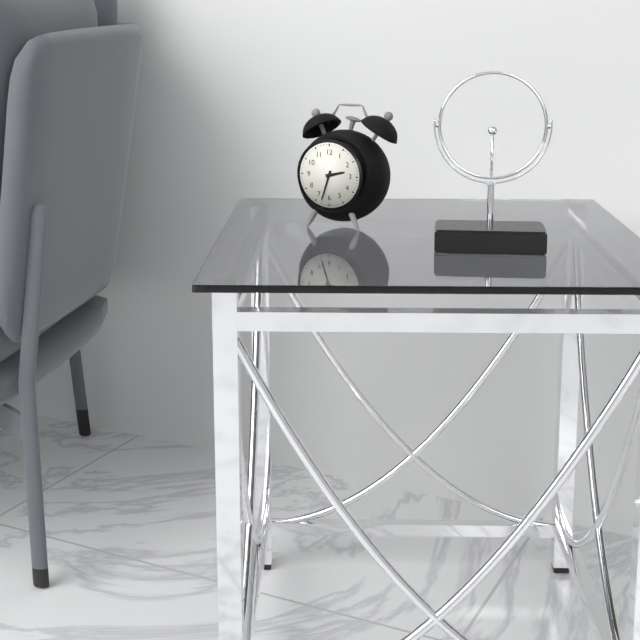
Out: 2:33
